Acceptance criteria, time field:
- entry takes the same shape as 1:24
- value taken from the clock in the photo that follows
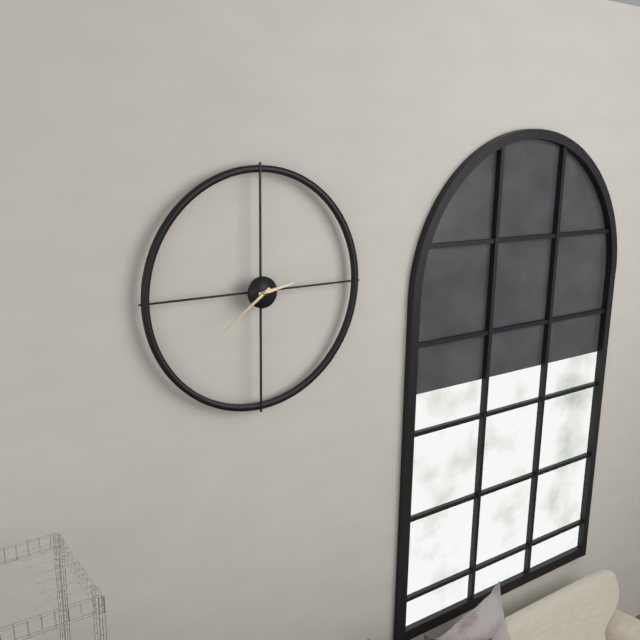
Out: 2:39
